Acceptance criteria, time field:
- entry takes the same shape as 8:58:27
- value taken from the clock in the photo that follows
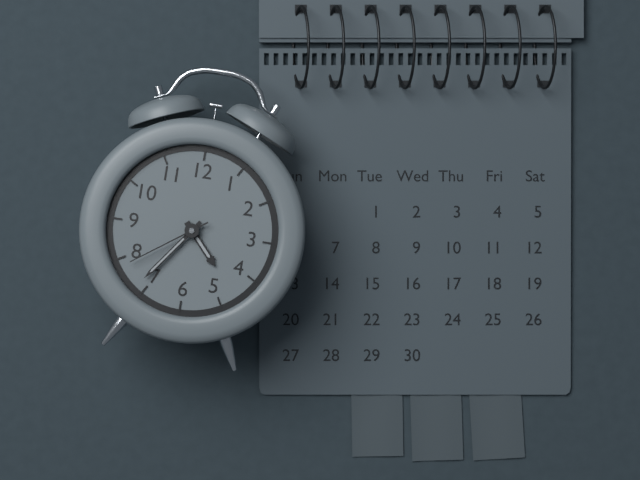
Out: 4:36:39
